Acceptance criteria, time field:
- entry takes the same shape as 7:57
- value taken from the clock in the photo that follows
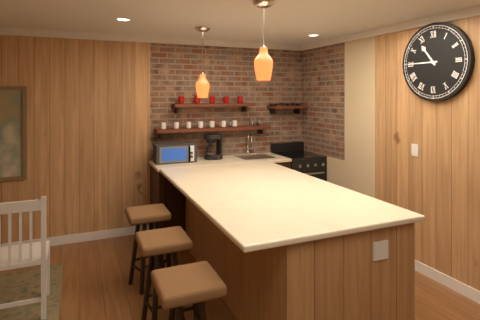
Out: 10:45
